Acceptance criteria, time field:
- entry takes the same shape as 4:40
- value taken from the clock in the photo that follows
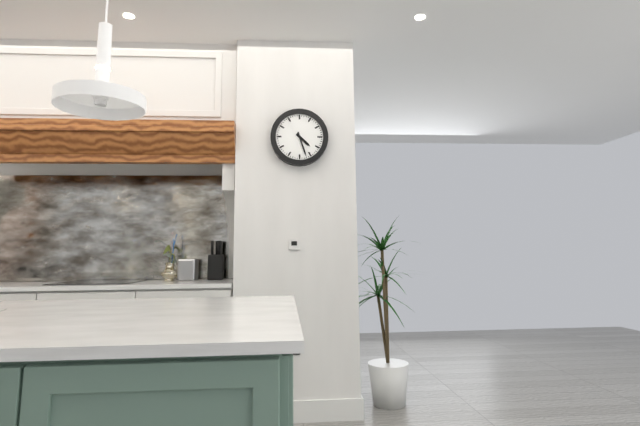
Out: 4:27
